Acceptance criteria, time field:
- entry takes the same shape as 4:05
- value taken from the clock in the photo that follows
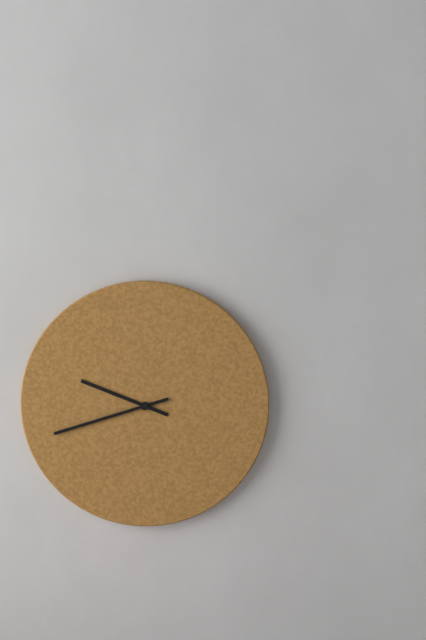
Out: 9:42
